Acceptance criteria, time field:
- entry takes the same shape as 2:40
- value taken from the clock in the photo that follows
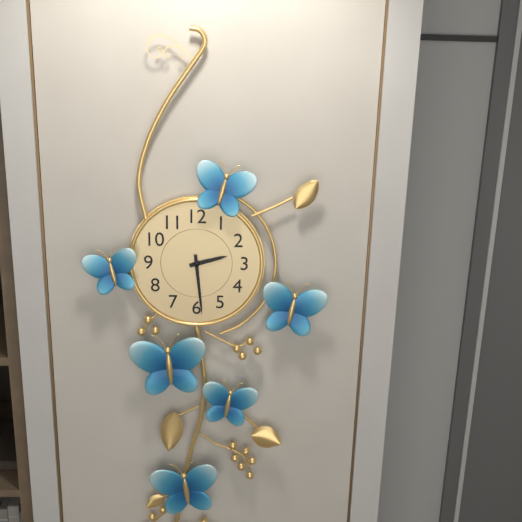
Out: 2:29
